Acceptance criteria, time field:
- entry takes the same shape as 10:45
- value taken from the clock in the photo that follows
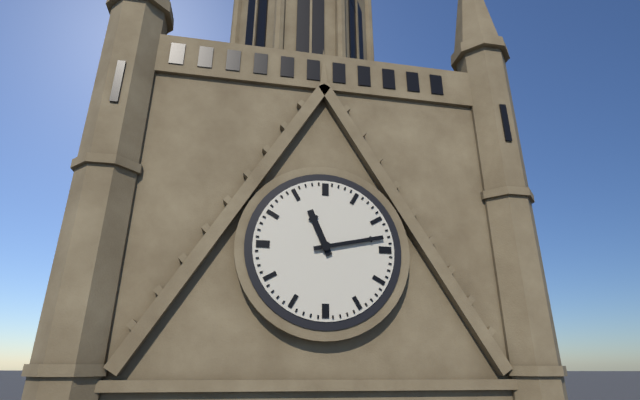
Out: 11:13
